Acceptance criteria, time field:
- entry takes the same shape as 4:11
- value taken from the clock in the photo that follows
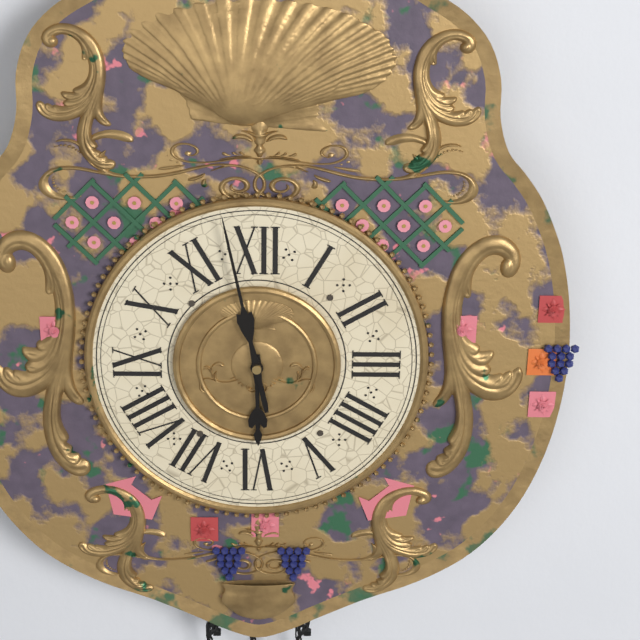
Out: 5:58
